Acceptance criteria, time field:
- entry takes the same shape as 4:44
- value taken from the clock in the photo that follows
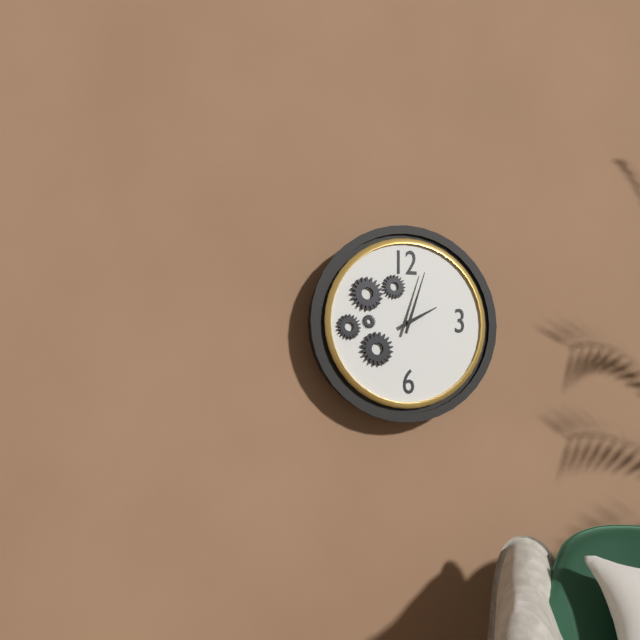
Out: 2:03
